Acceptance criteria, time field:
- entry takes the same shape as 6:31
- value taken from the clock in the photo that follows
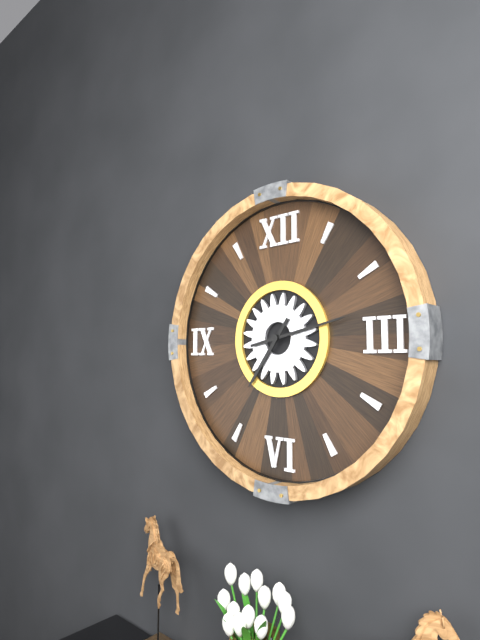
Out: 7:13
